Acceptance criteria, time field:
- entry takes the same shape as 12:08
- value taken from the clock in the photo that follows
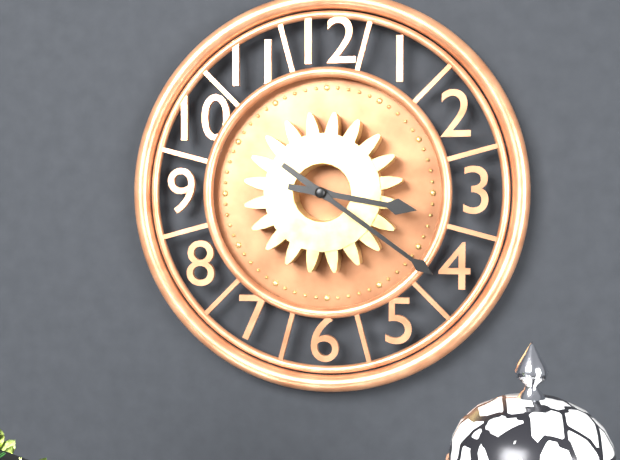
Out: 3:21
